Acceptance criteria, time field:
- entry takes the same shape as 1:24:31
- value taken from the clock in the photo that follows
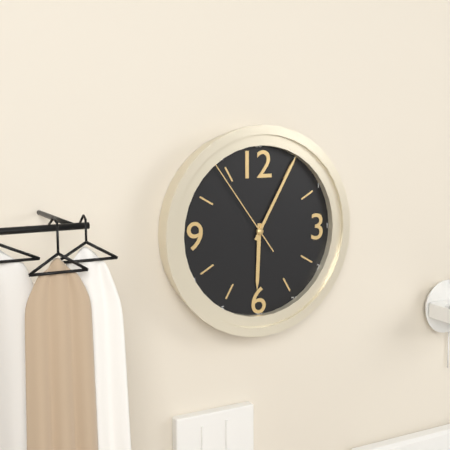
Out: 6:05:54
